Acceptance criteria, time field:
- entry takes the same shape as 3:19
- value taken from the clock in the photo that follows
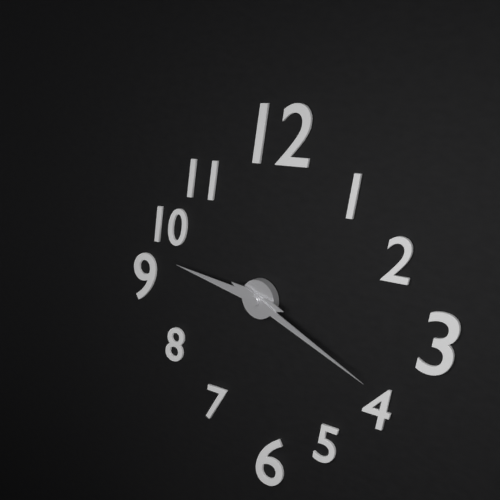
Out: 9:19
